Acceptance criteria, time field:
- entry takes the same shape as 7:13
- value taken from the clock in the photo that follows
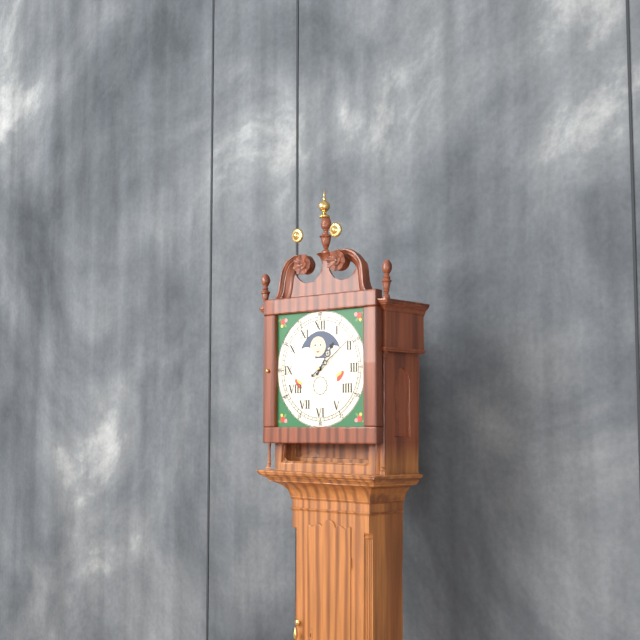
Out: 1:09
